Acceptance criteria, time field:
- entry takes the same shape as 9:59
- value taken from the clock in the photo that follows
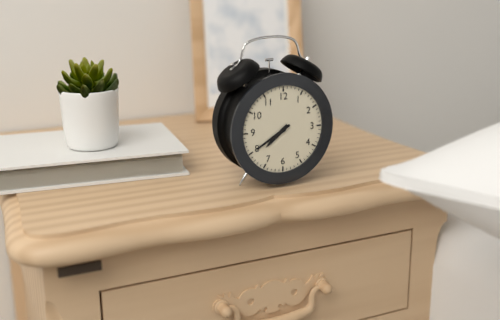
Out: 7:40
